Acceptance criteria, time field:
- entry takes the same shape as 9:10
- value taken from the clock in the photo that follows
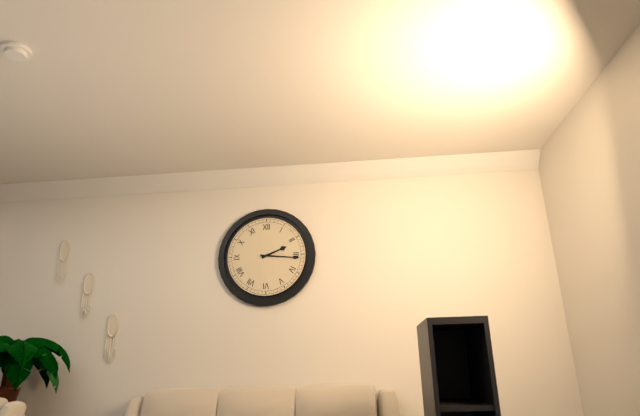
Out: 2:16
